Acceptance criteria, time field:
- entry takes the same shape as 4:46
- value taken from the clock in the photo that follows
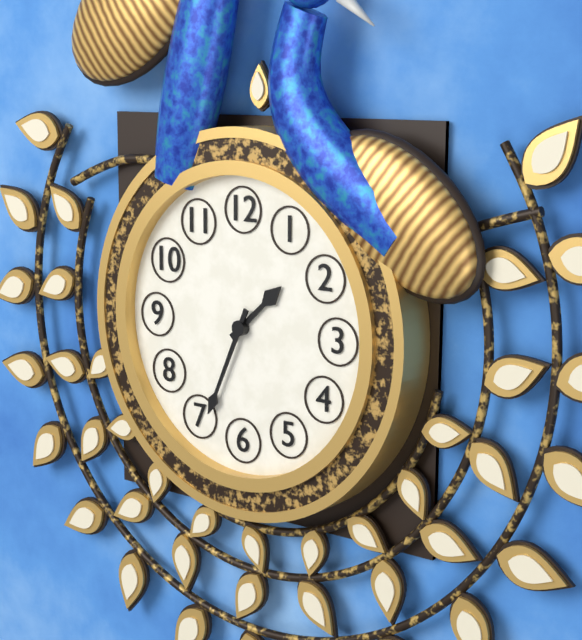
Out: 1:34
